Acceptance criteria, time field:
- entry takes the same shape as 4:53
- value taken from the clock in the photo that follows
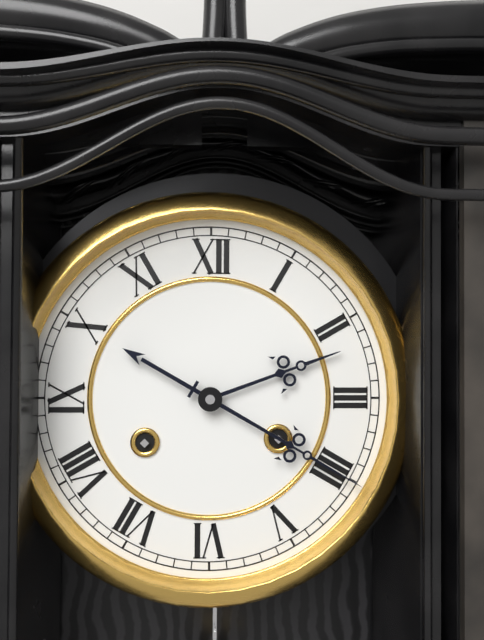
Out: 2:20
